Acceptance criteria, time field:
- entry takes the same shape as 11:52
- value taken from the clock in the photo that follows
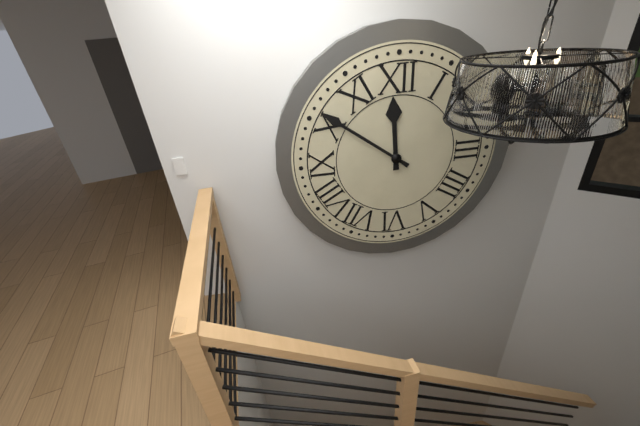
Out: 11:51
